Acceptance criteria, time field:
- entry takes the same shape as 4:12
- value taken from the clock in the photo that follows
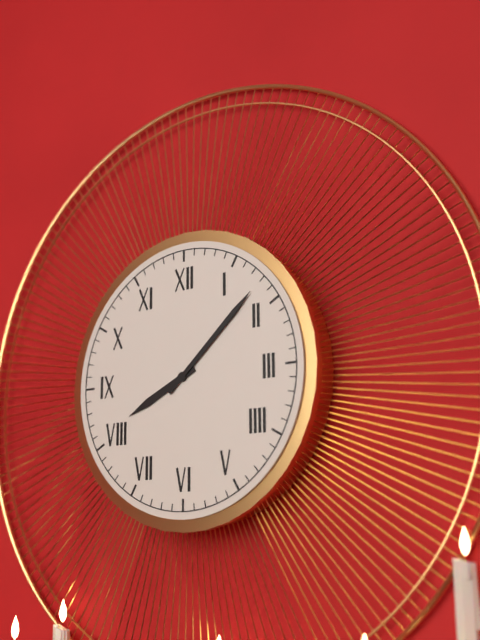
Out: 8:08
